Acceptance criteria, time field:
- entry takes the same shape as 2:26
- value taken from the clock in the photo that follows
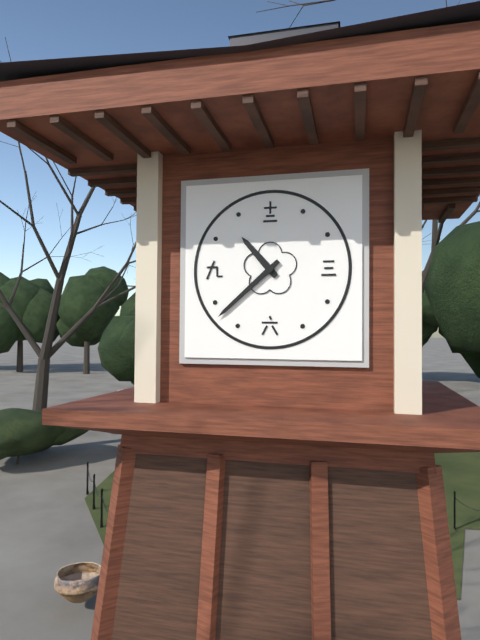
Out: 10:38
